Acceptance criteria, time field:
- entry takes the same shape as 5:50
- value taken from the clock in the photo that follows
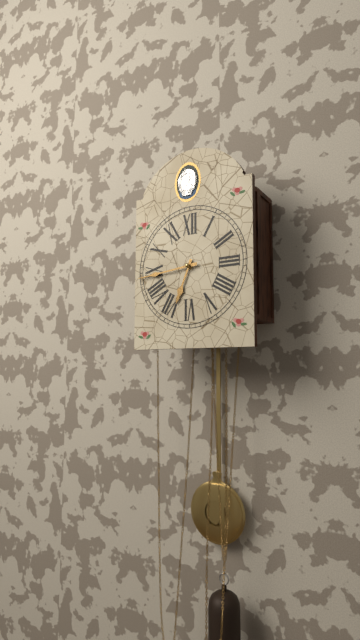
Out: 6:44
